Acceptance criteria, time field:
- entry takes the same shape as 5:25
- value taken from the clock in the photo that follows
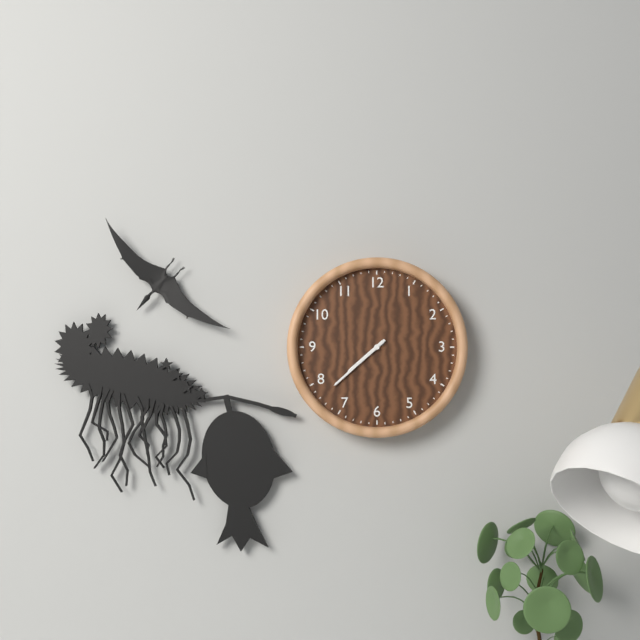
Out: 7:38
